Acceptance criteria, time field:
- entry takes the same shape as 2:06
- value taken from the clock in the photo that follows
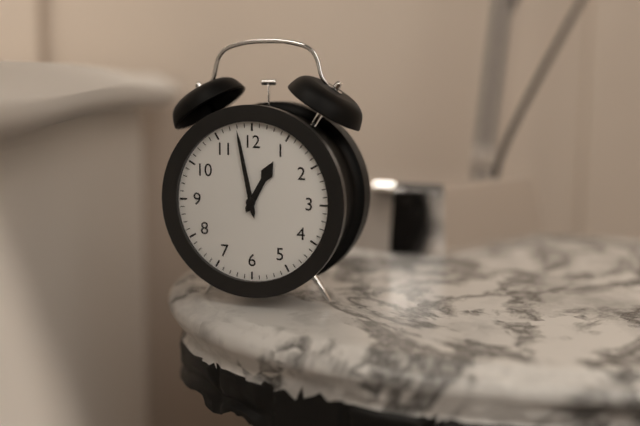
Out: 12:58
